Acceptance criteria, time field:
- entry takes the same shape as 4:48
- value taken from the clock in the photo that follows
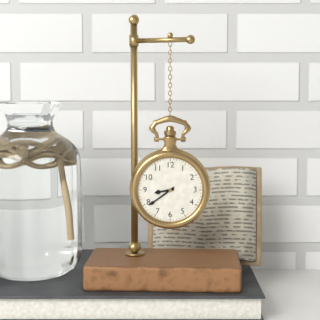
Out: 8:39
